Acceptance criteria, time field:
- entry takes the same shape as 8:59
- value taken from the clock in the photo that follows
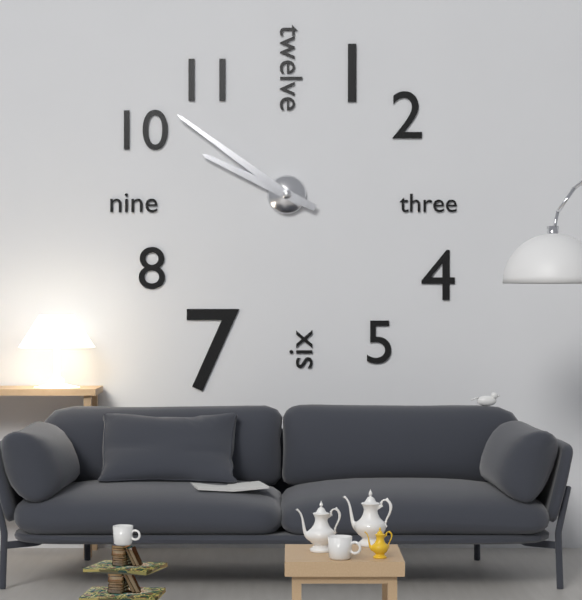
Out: 9:51
